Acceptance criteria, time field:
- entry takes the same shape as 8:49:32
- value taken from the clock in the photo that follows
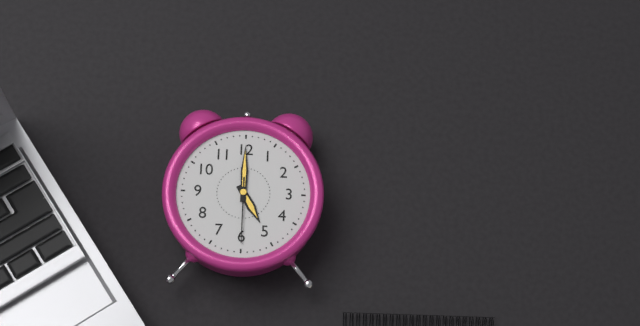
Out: 5:00:30
